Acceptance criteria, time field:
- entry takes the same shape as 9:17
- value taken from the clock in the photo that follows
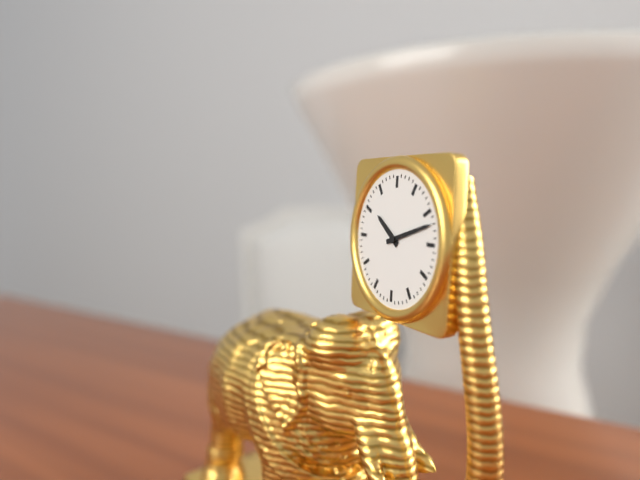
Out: 10:12
